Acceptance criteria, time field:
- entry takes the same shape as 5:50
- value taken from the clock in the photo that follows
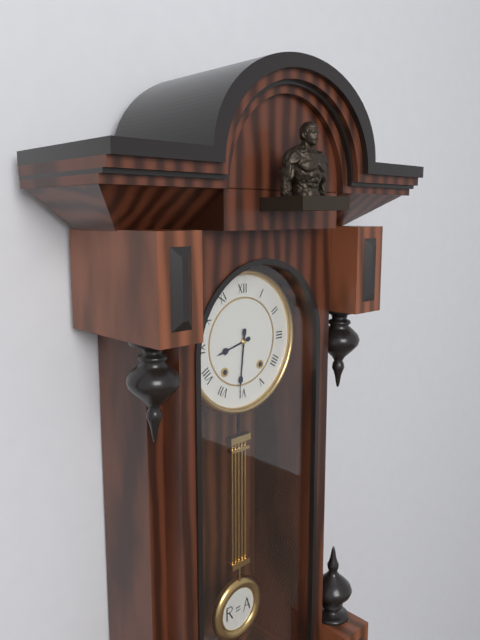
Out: 8:31
